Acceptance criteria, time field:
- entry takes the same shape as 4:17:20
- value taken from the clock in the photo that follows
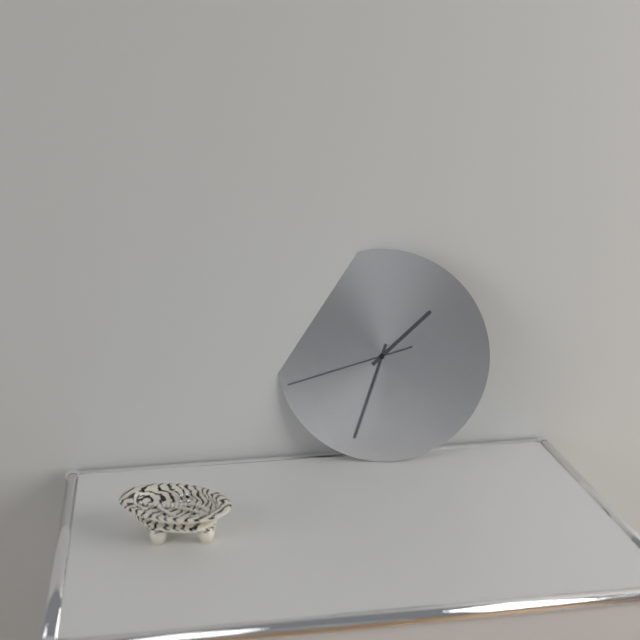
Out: 1:33:42
